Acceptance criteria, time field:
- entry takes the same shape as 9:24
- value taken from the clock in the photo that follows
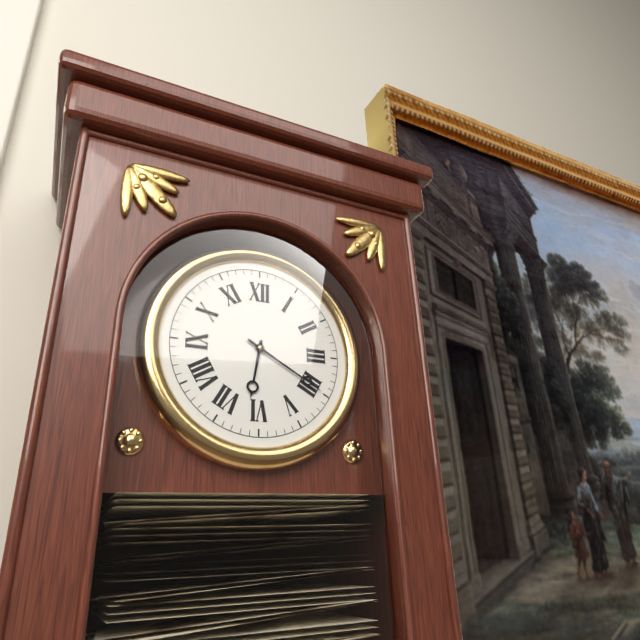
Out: 6:20
